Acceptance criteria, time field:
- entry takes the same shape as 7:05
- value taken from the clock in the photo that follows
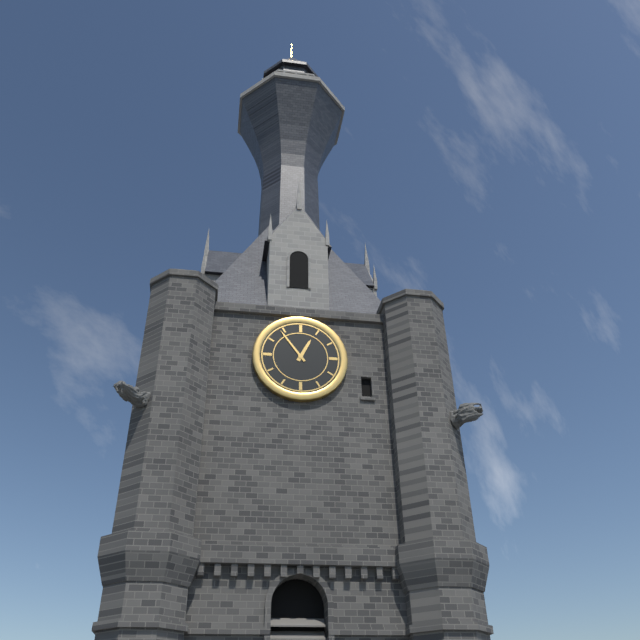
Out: 12:54
